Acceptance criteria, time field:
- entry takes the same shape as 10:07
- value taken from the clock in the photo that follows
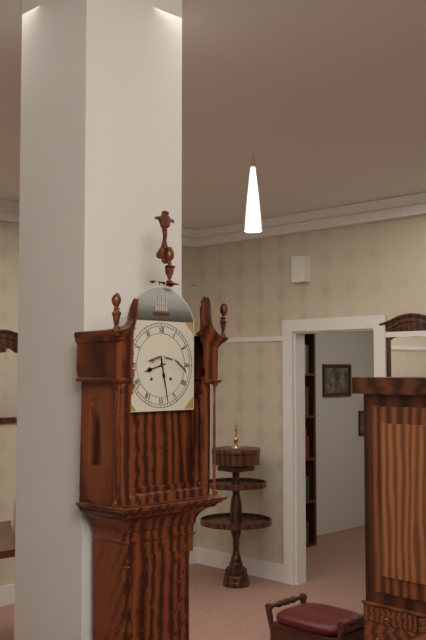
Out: 8:28
